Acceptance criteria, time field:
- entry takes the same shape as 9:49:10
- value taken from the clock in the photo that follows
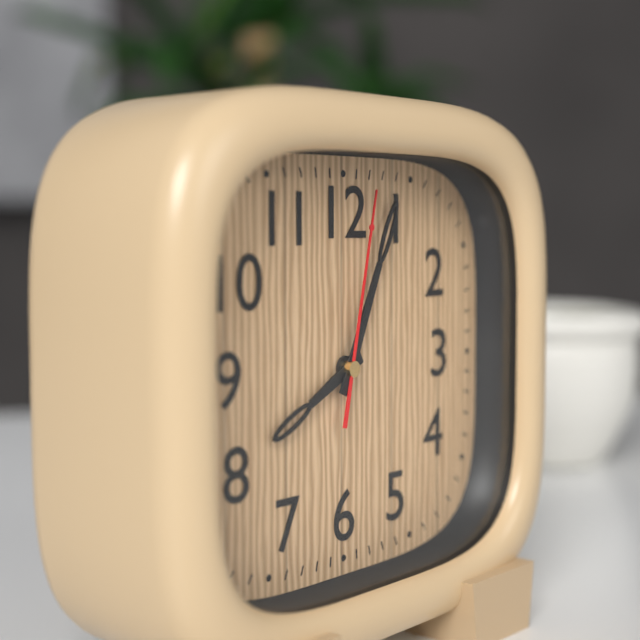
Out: 8:04:02
